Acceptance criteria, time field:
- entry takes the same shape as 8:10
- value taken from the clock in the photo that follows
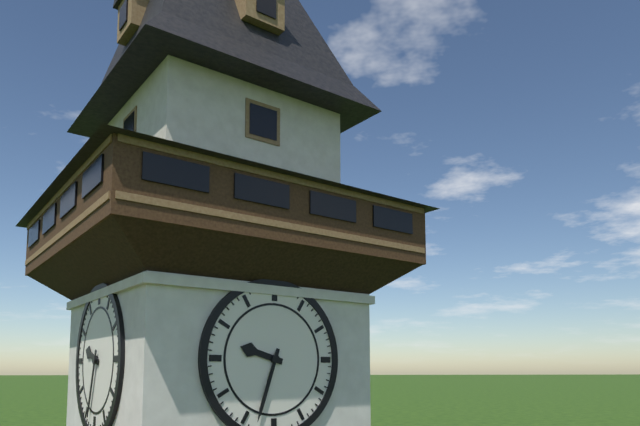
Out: 9:33
